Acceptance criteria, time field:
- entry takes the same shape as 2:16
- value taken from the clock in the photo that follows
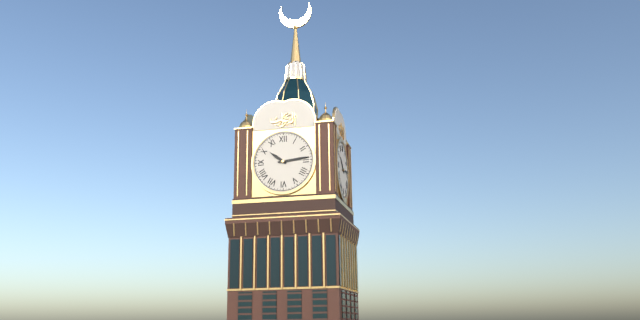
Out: 10:14
